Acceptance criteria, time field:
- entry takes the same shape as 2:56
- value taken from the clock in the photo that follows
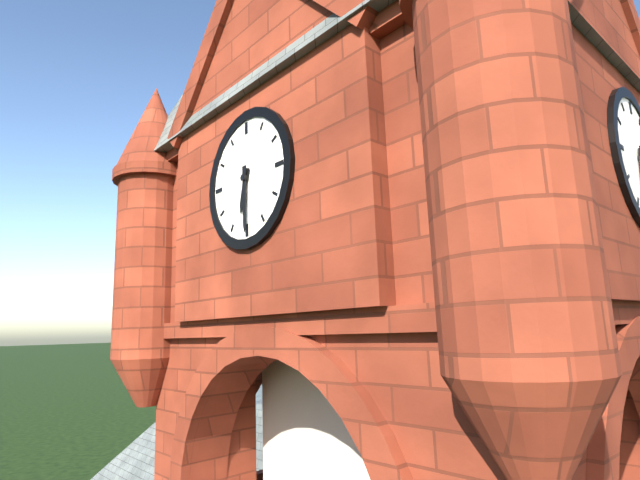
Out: 6:30
